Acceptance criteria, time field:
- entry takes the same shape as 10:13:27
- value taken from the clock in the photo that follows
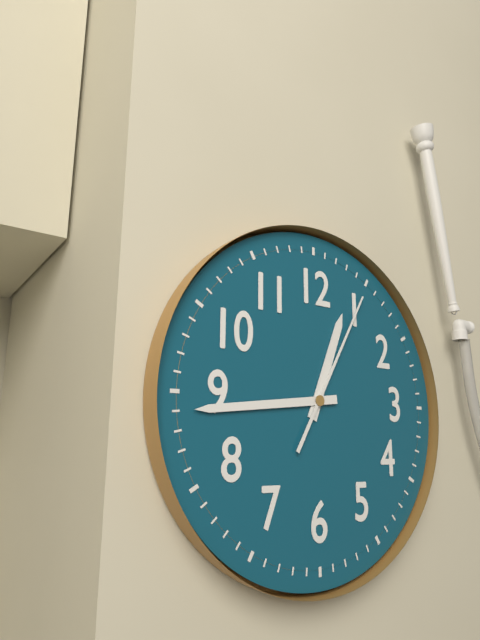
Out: 12:44:05
